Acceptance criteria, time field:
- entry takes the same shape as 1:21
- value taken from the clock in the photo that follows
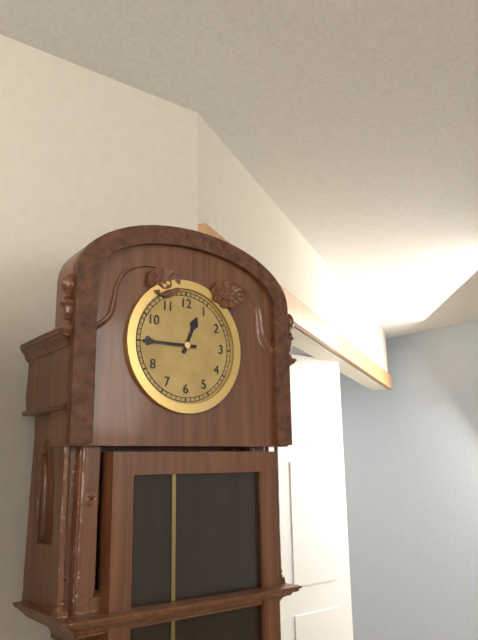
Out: 12:45
